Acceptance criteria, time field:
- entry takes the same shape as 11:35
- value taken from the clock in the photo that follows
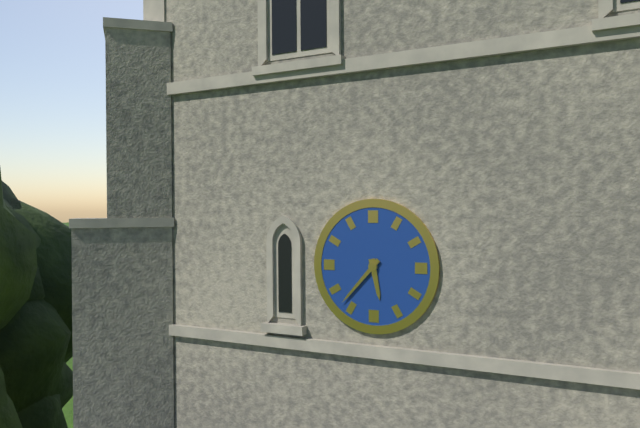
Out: 5:37
